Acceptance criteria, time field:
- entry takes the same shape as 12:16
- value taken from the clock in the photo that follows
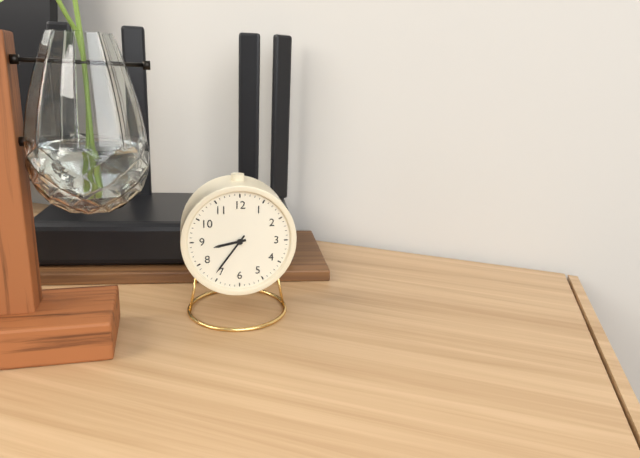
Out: 8:36
